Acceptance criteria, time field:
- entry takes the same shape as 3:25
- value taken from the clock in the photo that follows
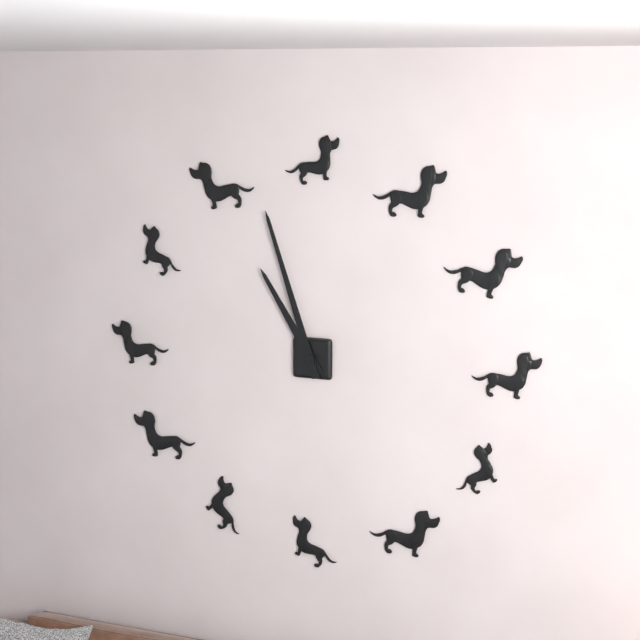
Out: 10:57
